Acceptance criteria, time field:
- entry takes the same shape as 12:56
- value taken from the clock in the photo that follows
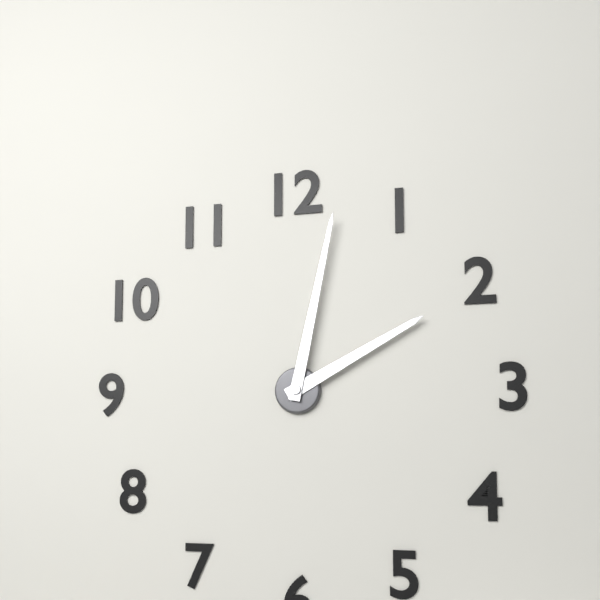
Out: 2:02
